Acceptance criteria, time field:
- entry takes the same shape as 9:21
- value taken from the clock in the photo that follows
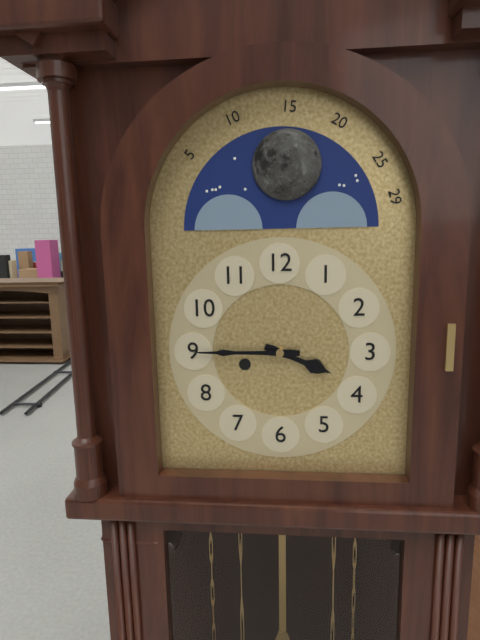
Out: 3:45
